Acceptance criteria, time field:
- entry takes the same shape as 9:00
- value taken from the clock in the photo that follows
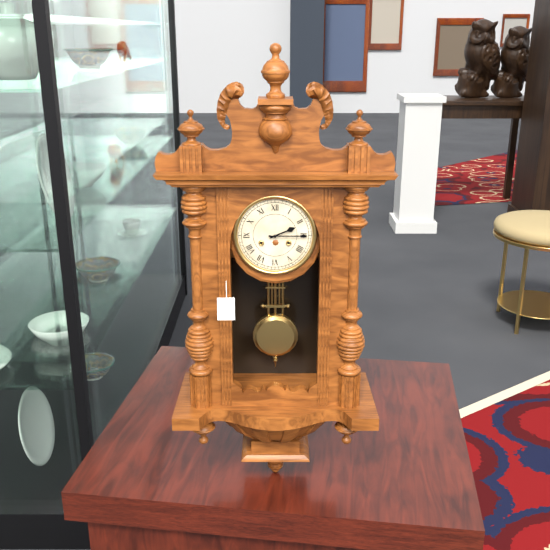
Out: 2:15
